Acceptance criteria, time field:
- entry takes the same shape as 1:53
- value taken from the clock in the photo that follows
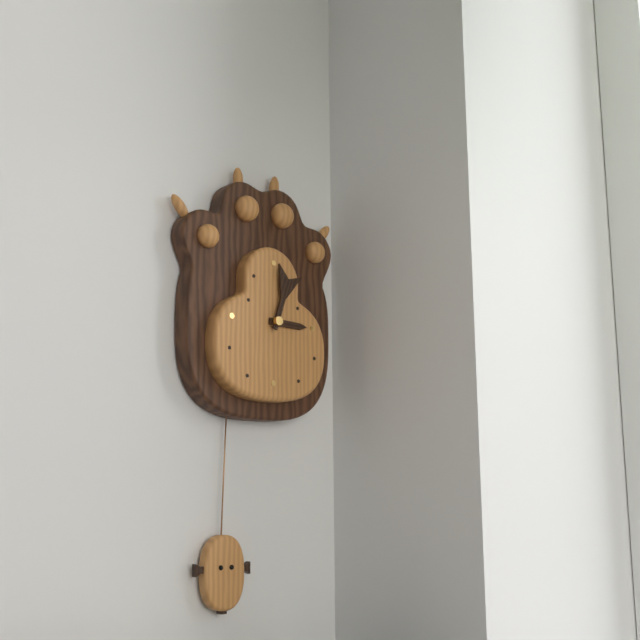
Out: 3:03
